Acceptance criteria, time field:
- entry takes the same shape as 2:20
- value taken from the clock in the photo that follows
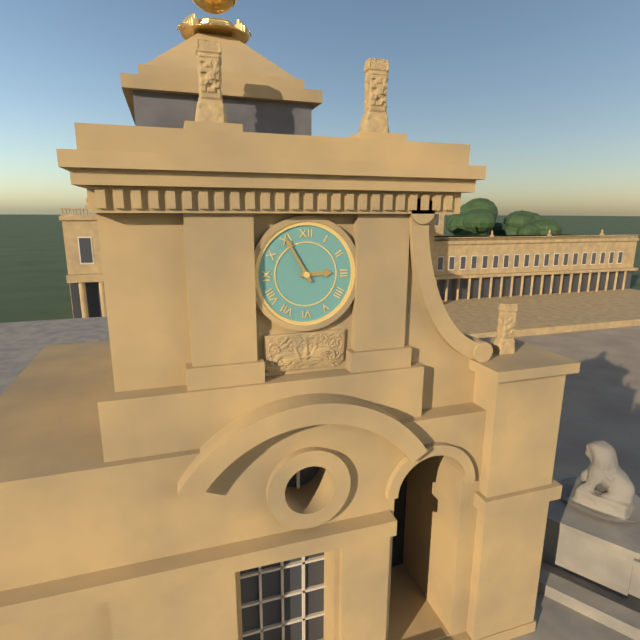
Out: 2:55
